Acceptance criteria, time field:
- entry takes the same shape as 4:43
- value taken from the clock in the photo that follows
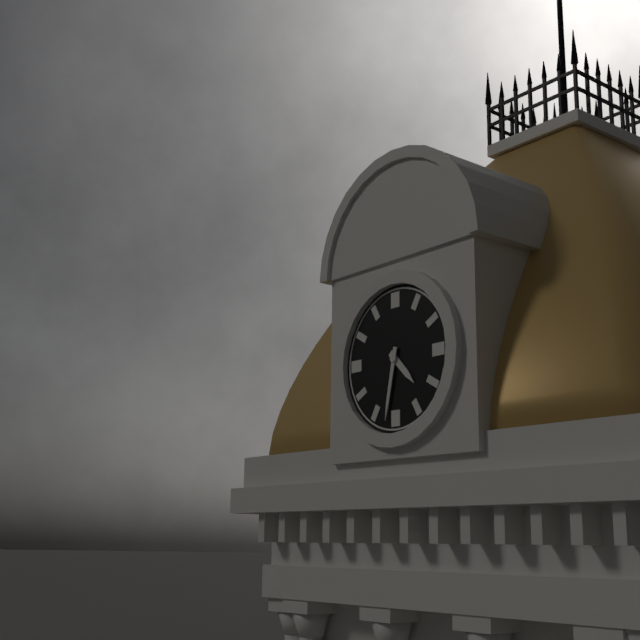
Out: 4:32
